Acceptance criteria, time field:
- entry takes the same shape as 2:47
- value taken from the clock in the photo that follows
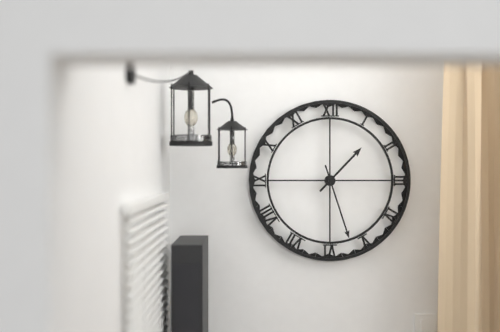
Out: 1:27
